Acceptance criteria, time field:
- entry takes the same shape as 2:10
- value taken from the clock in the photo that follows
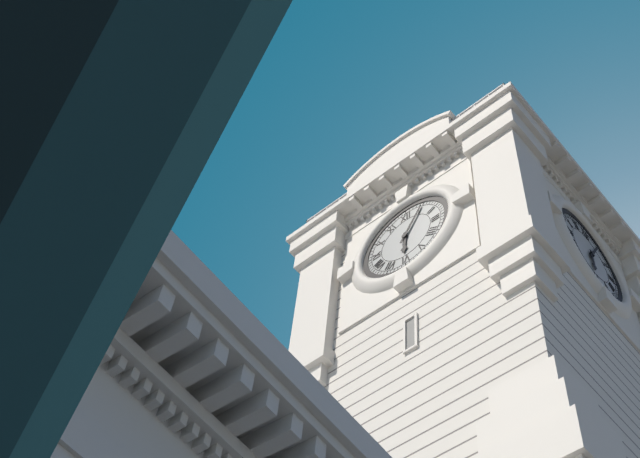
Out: 6:05
